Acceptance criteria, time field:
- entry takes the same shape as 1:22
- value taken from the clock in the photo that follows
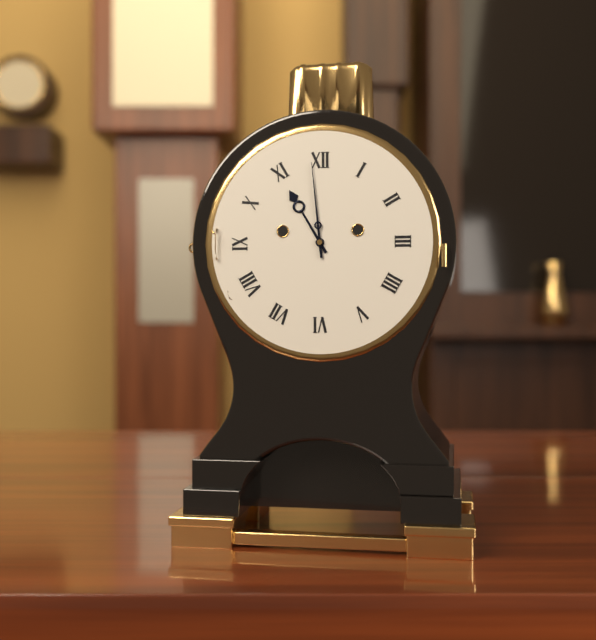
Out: 10:59
